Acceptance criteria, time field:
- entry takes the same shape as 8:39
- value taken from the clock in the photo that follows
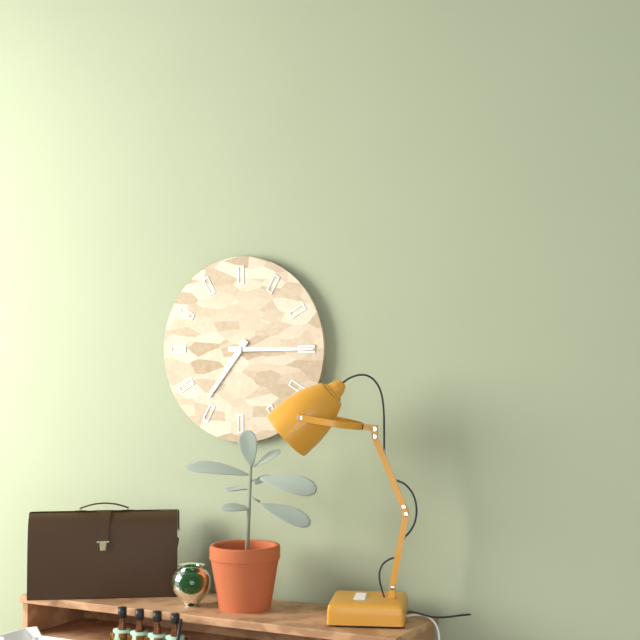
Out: 7:15
